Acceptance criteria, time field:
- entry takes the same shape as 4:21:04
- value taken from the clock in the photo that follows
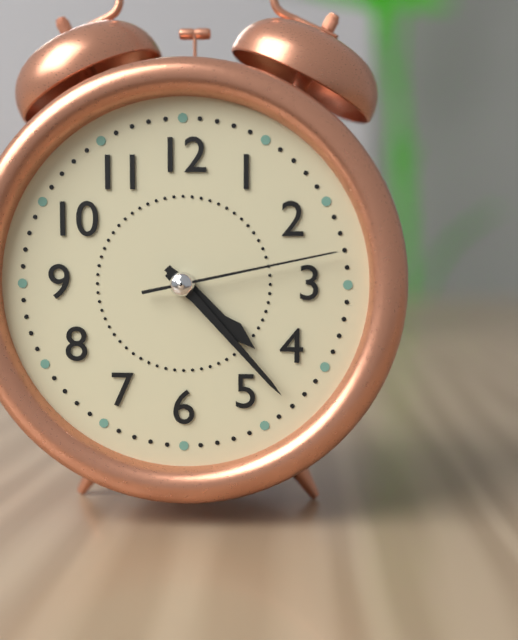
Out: 4:23:13
